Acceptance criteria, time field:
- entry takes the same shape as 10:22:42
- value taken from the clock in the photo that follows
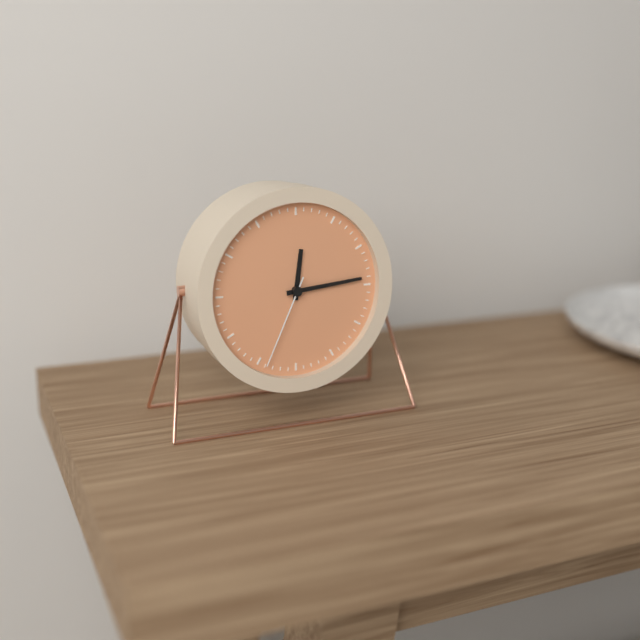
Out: 12:14:34
